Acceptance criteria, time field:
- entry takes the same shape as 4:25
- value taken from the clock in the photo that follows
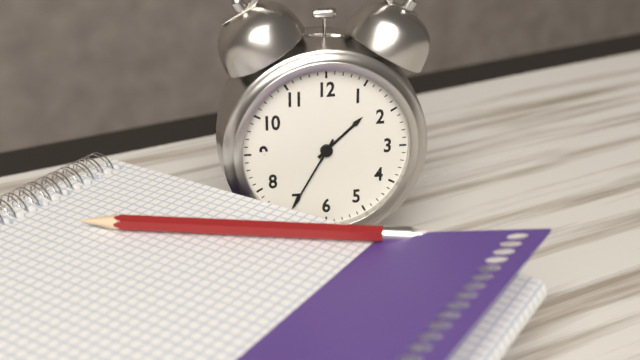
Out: 1:35
